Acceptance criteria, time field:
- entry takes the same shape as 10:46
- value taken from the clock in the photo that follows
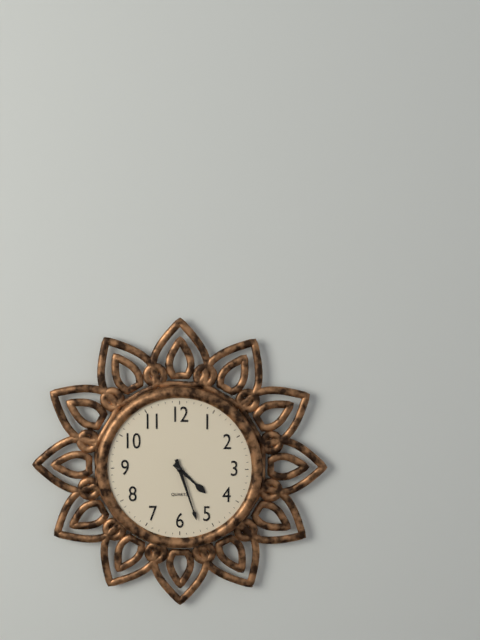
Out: 4:27
